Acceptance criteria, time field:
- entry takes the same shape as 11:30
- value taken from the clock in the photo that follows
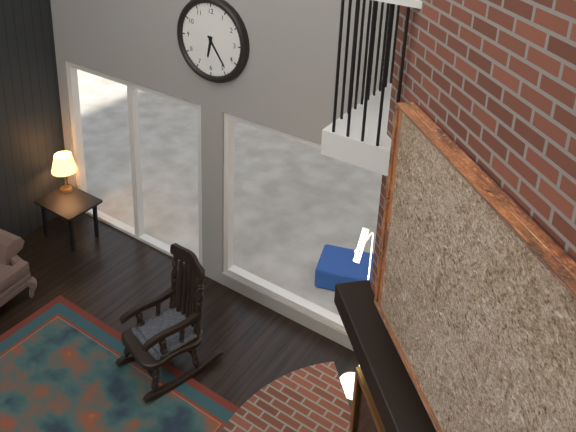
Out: 6:24
